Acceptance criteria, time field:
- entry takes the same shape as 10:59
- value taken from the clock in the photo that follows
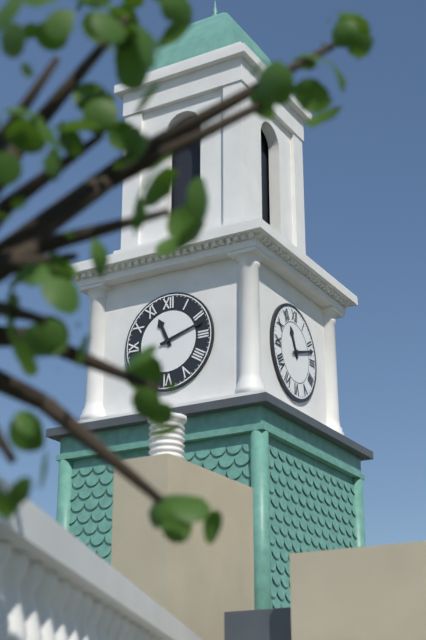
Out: 11:12
